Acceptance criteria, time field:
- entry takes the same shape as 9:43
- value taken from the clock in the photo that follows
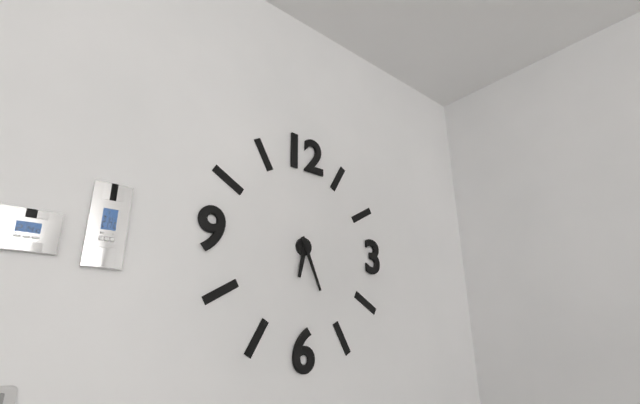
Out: 6:26
